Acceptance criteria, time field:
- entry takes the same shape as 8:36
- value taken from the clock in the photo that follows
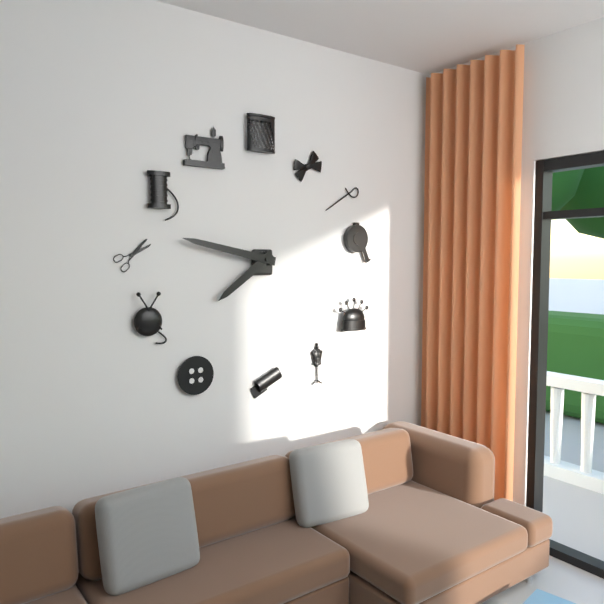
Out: 7:47
